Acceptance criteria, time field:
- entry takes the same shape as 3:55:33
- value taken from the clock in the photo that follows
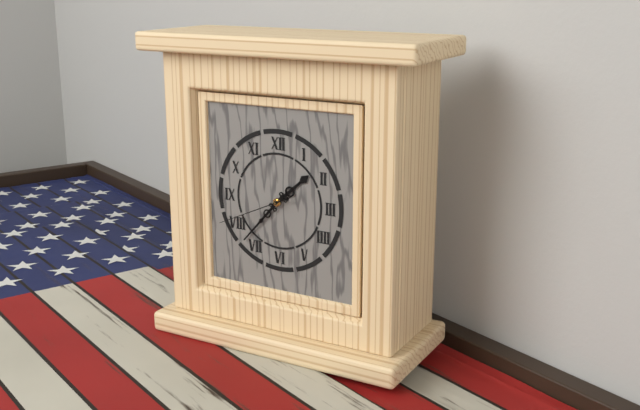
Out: 1:37:41
